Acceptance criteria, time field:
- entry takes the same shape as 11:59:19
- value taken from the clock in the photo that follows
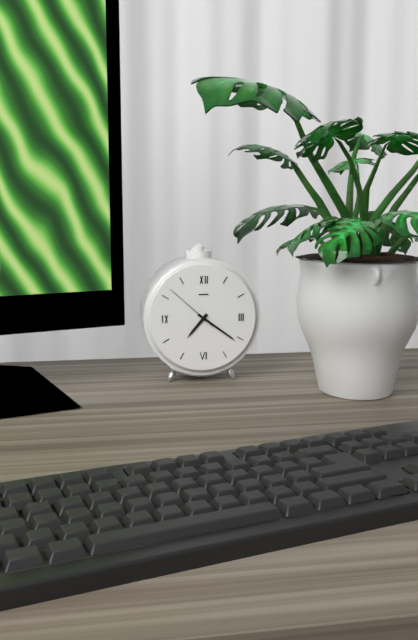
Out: 7:21:52
